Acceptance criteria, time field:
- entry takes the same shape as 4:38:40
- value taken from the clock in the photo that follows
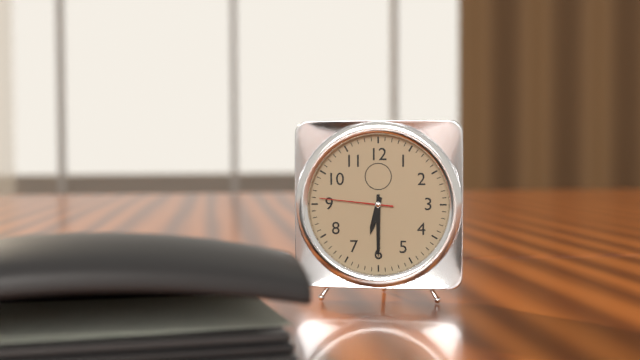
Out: 6:30:46
